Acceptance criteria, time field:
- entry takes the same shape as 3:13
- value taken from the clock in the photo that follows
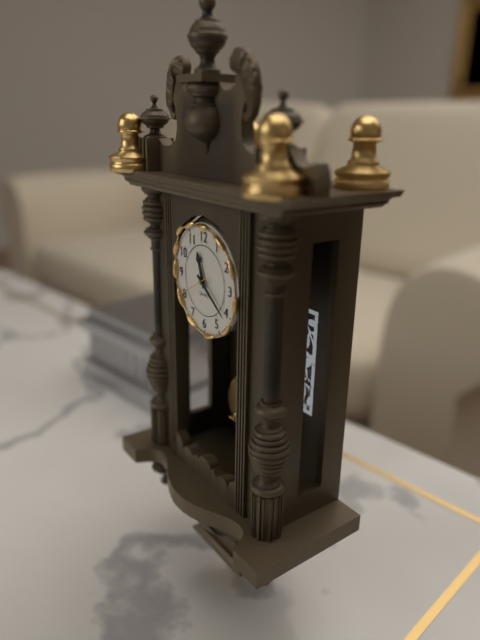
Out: 11:21
